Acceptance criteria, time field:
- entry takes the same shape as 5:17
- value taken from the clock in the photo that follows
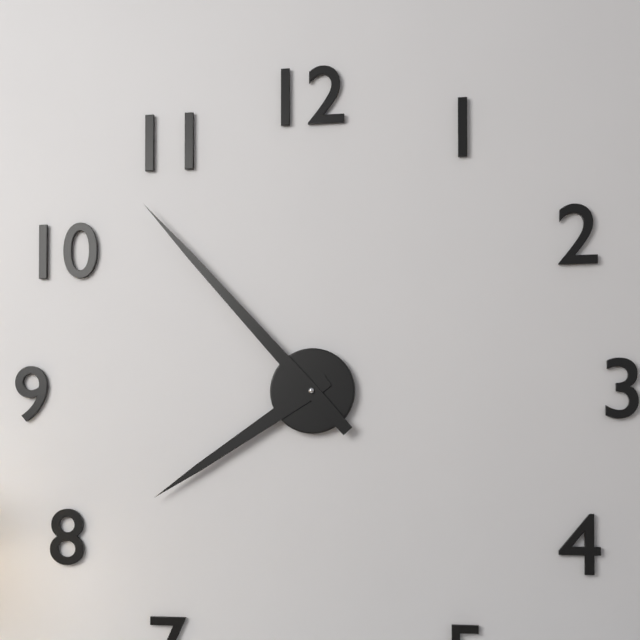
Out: 7:53
